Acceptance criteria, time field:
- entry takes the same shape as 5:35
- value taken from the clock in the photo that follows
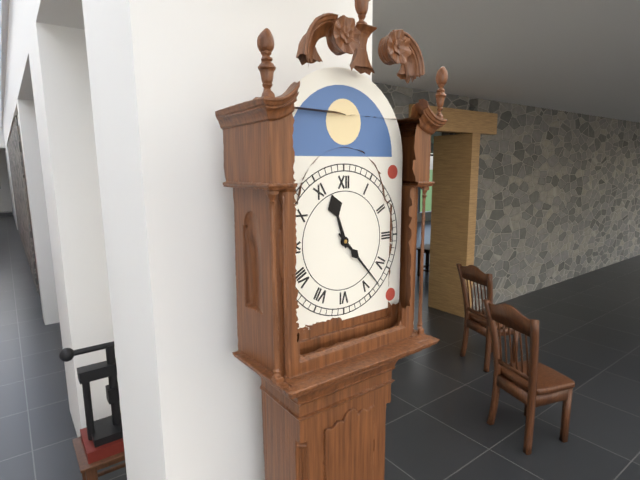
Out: 11:23
